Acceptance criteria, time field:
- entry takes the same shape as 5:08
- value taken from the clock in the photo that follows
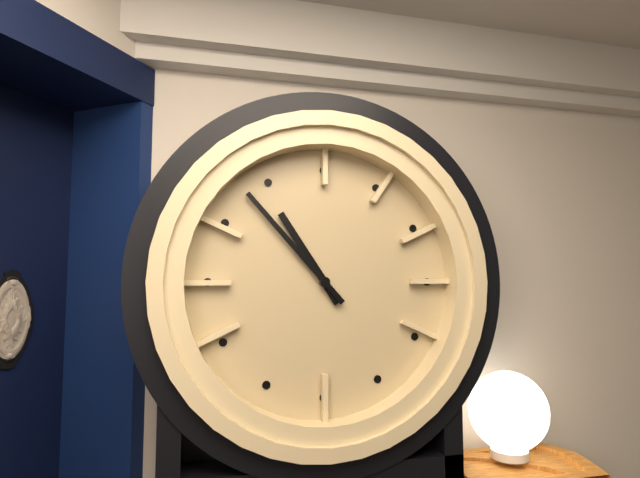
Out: 10:53
